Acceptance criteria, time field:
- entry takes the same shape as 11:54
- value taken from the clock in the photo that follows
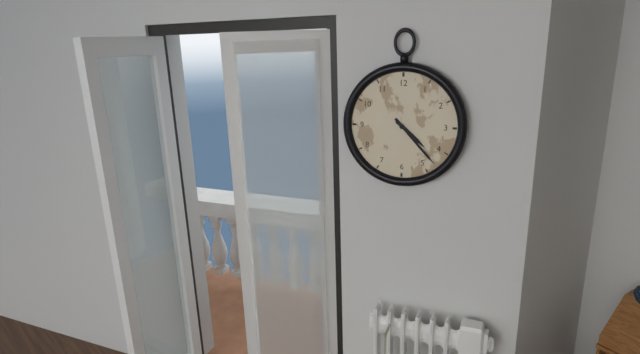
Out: 4:23
